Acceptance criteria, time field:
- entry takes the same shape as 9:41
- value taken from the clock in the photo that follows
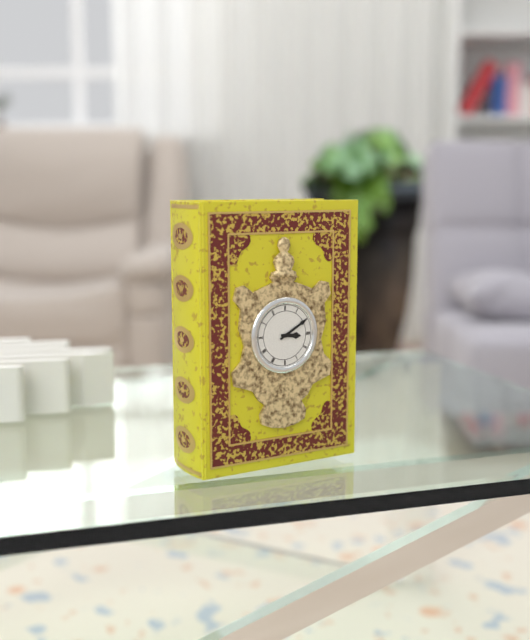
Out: 3:10
